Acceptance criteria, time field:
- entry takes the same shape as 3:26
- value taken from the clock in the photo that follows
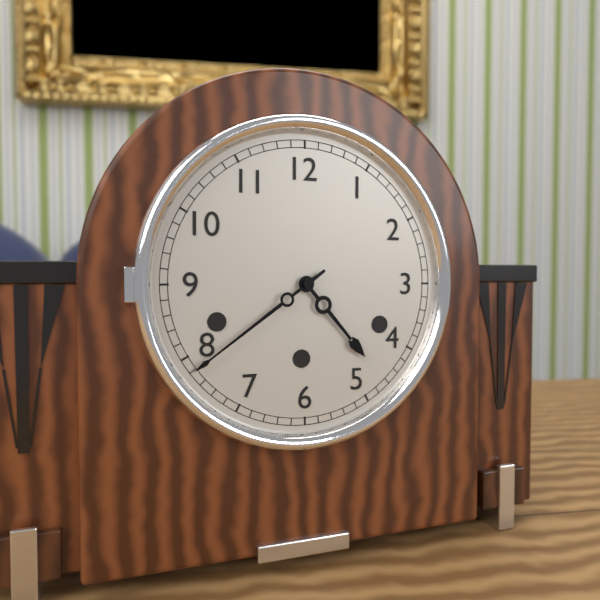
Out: 4:39
